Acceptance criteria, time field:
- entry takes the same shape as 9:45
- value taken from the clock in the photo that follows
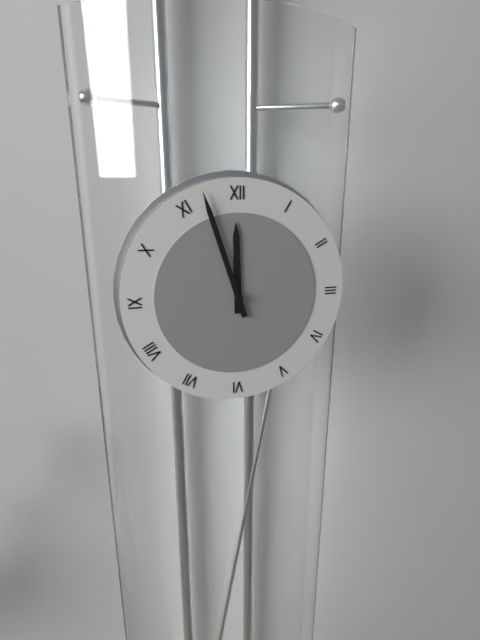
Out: 11:57
